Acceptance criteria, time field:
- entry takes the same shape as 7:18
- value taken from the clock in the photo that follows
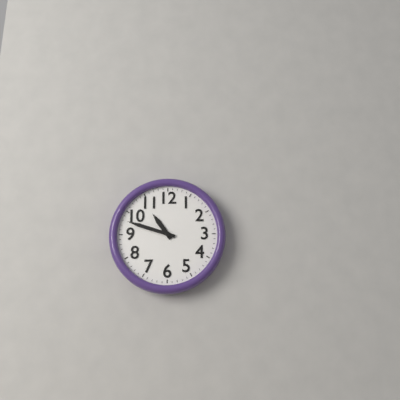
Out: 10:48
